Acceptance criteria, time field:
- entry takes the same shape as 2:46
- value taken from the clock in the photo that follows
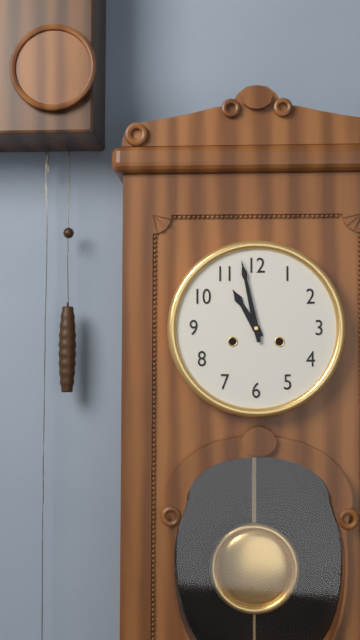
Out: 10:58
